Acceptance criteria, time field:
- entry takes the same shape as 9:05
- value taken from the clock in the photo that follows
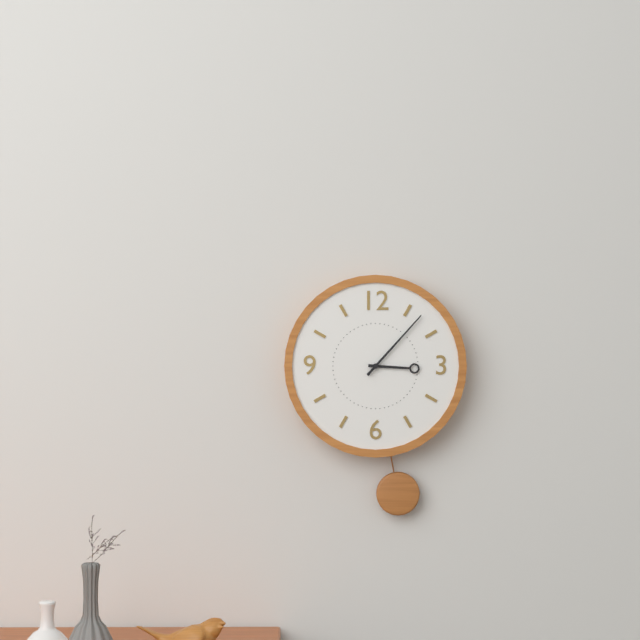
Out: 3:07
